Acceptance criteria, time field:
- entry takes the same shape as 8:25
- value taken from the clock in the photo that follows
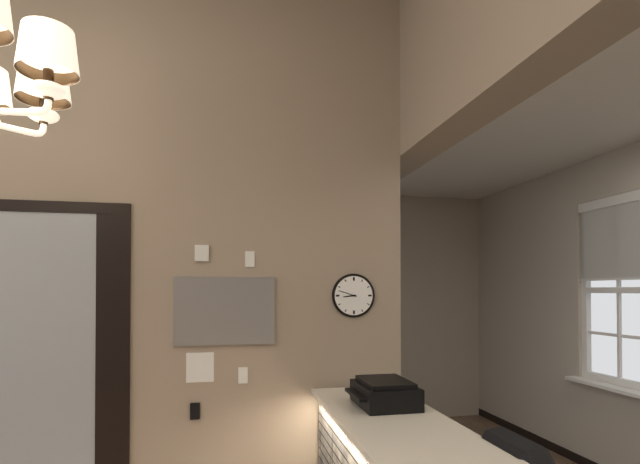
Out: 8:48
